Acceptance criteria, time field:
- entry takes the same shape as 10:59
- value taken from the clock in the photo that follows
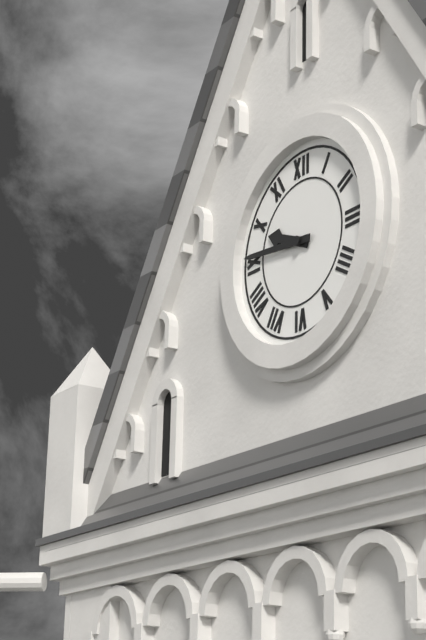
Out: 9:46
